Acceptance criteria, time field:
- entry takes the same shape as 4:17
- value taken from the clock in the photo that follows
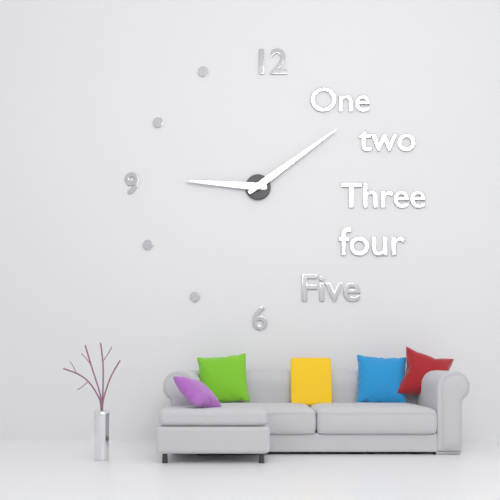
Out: 9:09
